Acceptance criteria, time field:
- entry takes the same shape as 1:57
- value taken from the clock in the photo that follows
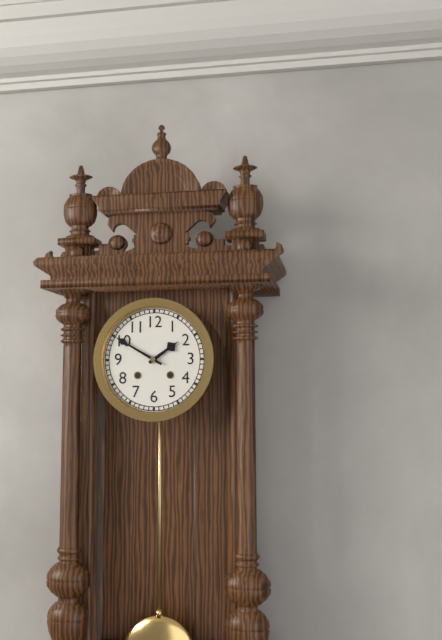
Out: 1:50
